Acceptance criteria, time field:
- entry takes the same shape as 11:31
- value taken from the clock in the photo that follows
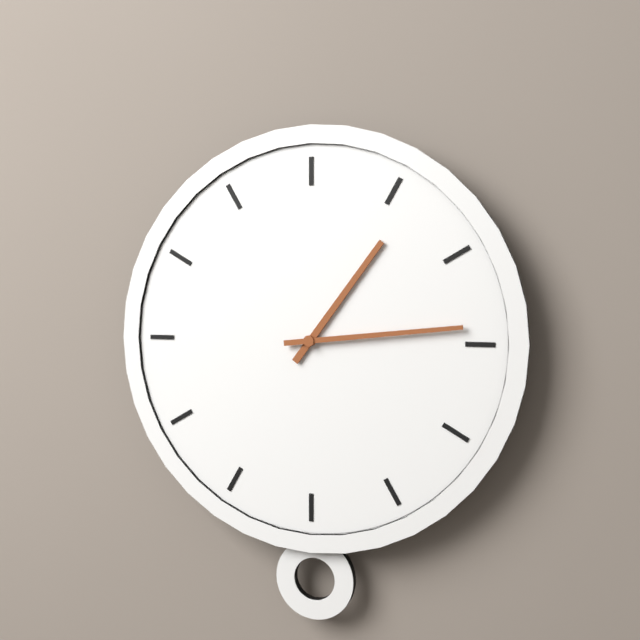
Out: 1:14
